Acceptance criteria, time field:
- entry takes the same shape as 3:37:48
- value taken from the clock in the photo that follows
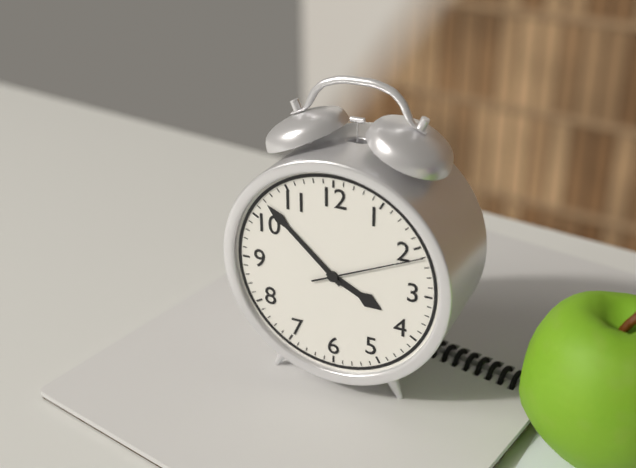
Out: 3:52:11
